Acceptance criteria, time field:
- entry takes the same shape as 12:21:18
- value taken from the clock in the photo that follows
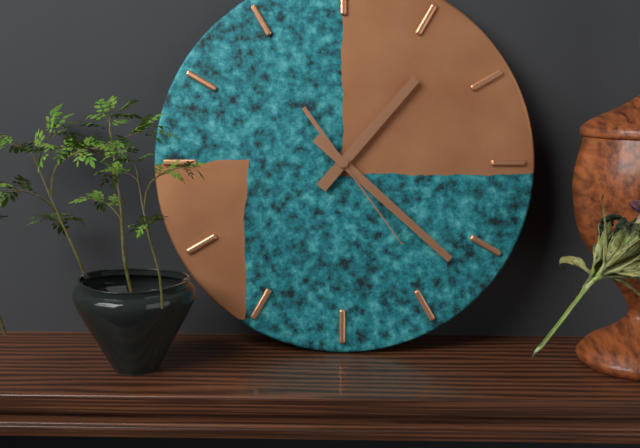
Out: 1:22:24
